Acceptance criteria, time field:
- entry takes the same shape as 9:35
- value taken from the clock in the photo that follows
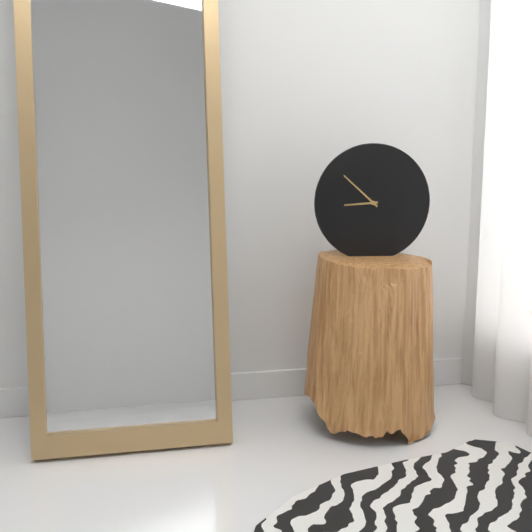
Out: 8:52
